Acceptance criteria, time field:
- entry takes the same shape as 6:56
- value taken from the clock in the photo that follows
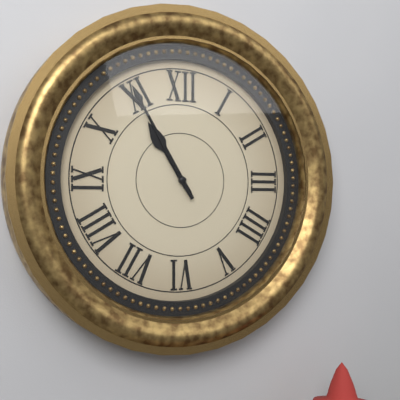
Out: 10:55
